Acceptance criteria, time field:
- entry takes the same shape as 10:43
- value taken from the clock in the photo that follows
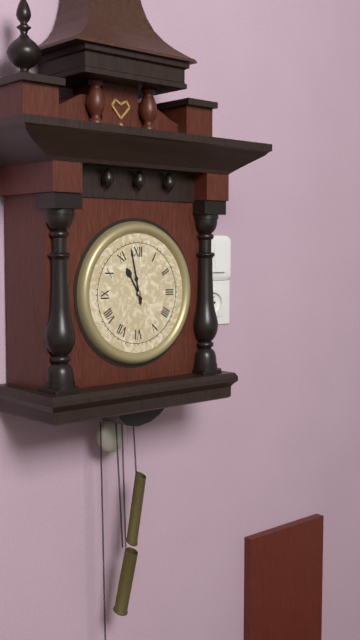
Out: 10:58
